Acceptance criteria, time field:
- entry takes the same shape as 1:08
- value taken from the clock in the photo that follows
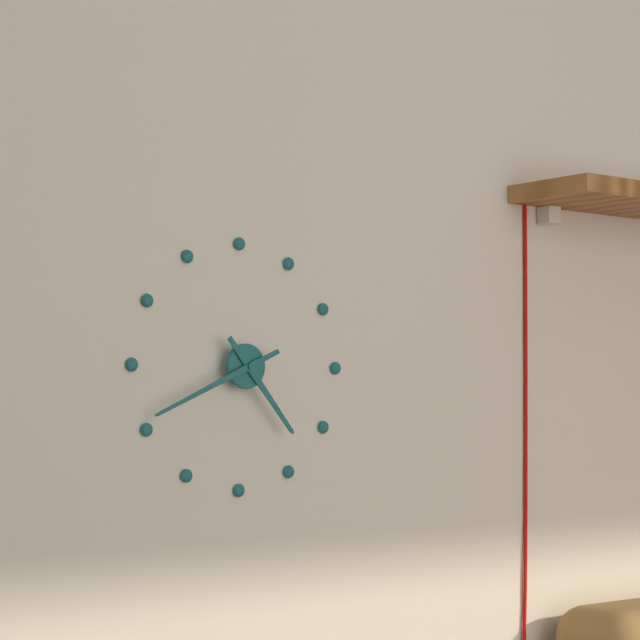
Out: 4:41
